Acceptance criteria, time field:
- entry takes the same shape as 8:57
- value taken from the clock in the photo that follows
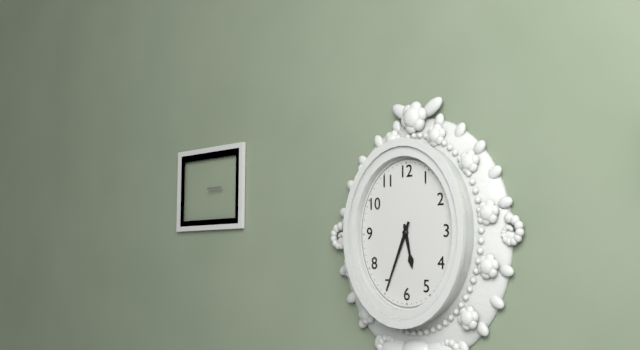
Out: 5:34
